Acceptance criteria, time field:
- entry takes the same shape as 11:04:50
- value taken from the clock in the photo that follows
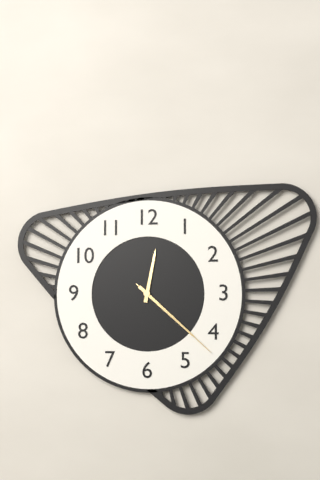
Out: 12:22:22
